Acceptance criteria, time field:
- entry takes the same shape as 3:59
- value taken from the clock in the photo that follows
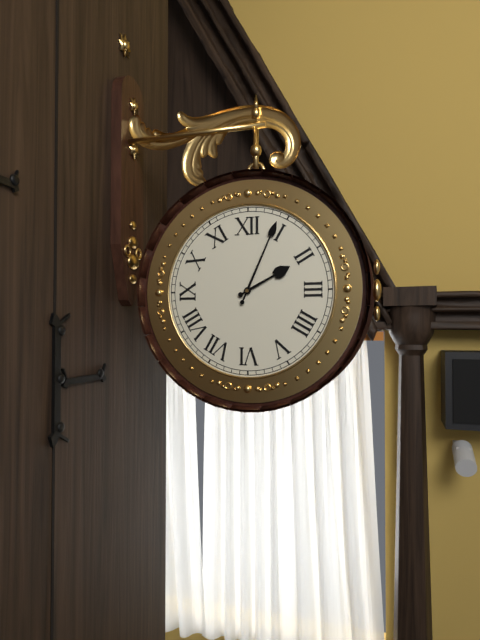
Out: 2:04
